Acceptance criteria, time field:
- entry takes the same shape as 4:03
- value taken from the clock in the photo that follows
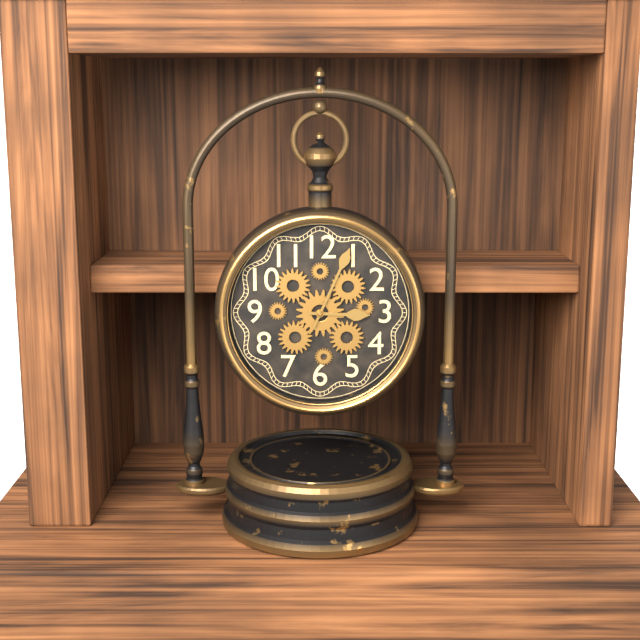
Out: 3:04
